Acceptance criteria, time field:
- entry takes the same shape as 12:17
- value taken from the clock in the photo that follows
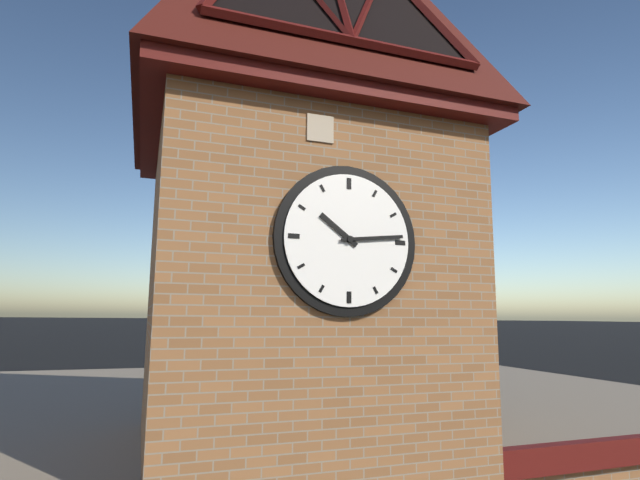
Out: 10:14
